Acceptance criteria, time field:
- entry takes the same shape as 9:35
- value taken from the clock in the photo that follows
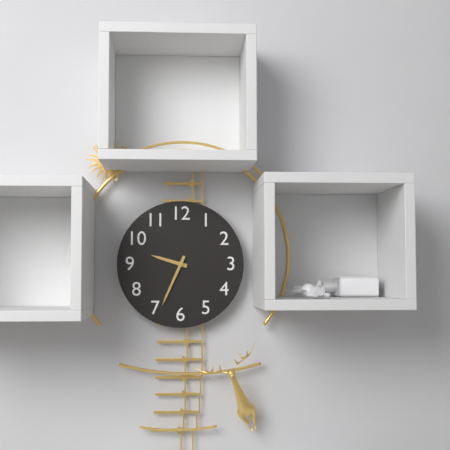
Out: 9:34
